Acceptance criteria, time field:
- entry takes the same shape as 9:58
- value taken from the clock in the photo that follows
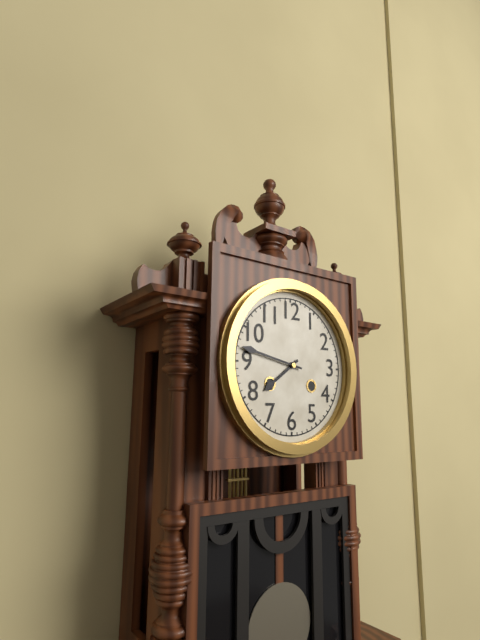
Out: 7:47
